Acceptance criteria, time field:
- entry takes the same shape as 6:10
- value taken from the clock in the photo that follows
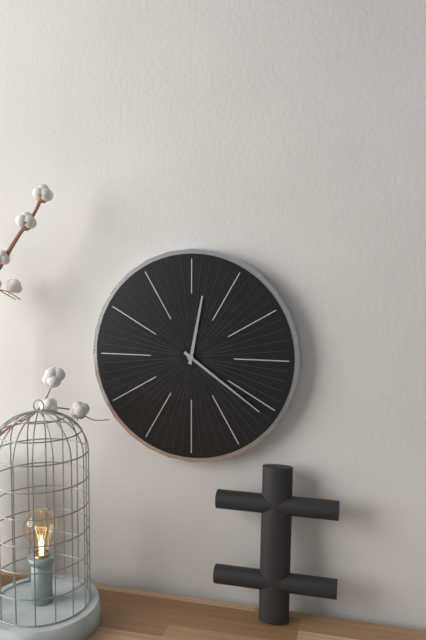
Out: 12:21
